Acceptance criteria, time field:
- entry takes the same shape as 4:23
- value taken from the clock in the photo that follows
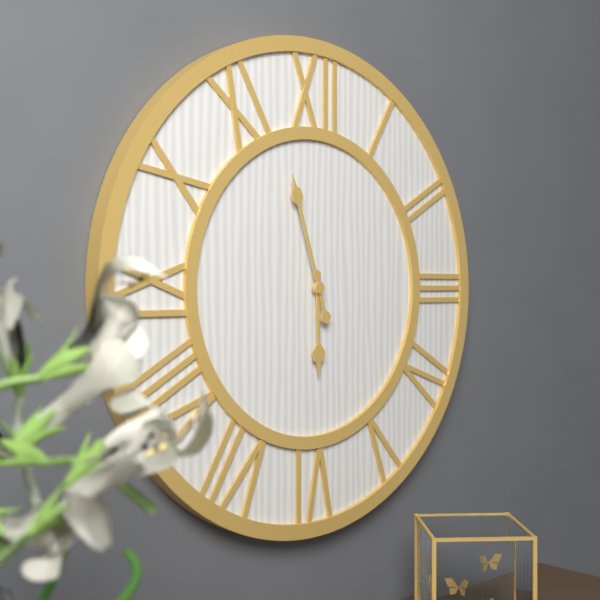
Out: 5:57
